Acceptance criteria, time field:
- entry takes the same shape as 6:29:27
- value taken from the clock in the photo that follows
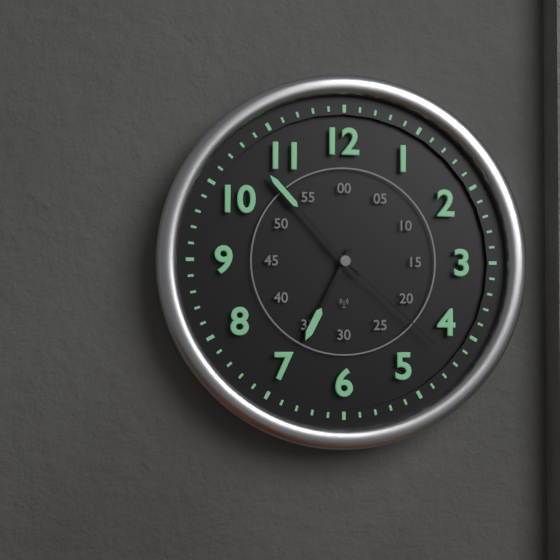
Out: 6:53:22
